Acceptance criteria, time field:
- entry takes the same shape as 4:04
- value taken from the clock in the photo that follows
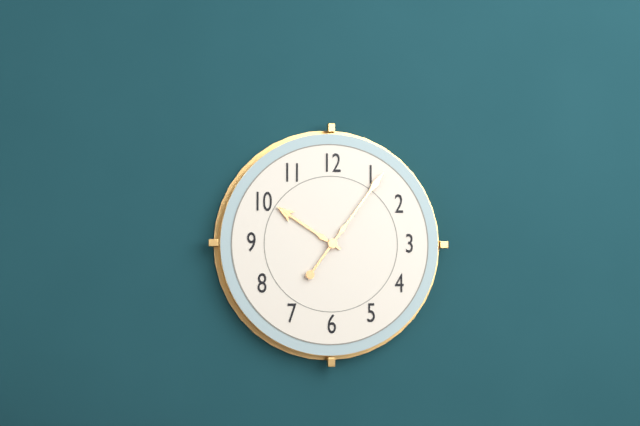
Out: 10:06
